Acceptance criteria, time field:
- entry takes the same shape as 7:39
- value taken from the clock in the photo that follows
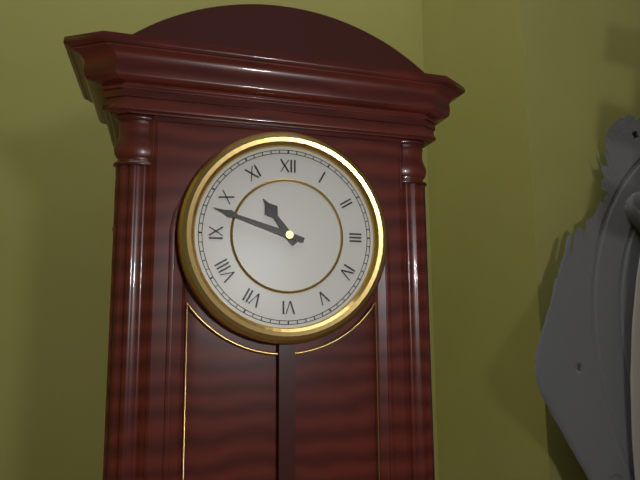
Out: 10:48
